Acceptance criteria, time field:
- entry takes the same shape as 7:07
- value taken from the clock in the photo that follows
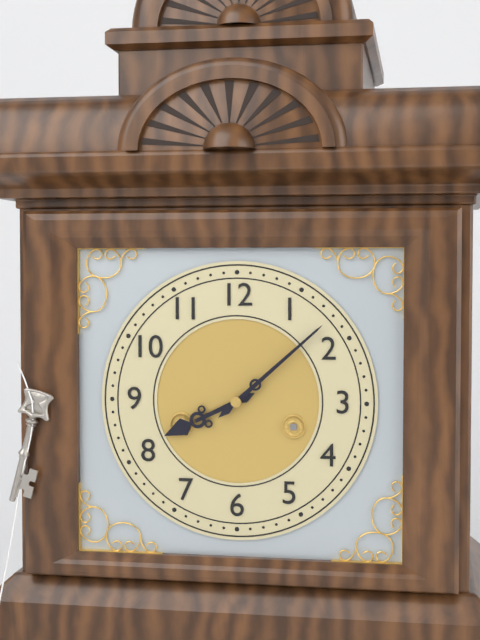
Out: 8:08
